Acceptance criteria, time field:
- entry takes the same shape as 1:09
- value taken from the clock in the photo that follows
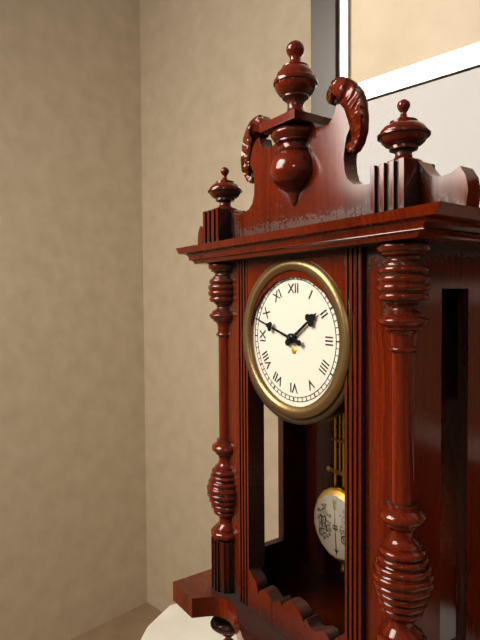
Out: 1:48
